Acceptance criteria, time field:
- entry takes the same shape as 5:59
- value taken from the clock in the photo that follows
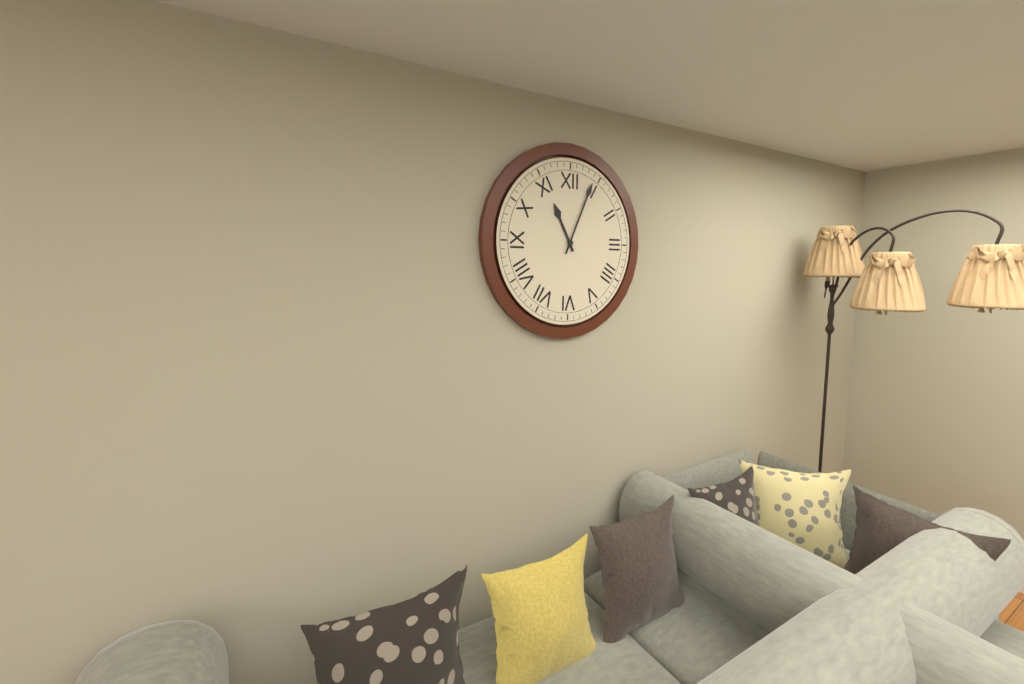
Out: 11:04
